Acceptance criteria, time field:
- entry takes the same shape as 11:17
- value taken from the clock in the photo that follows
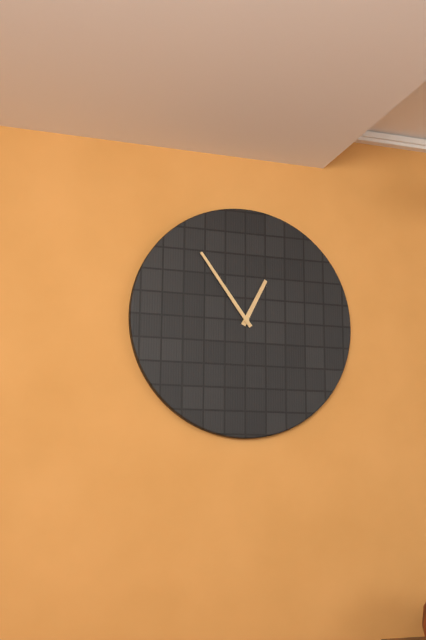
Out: 12:54
